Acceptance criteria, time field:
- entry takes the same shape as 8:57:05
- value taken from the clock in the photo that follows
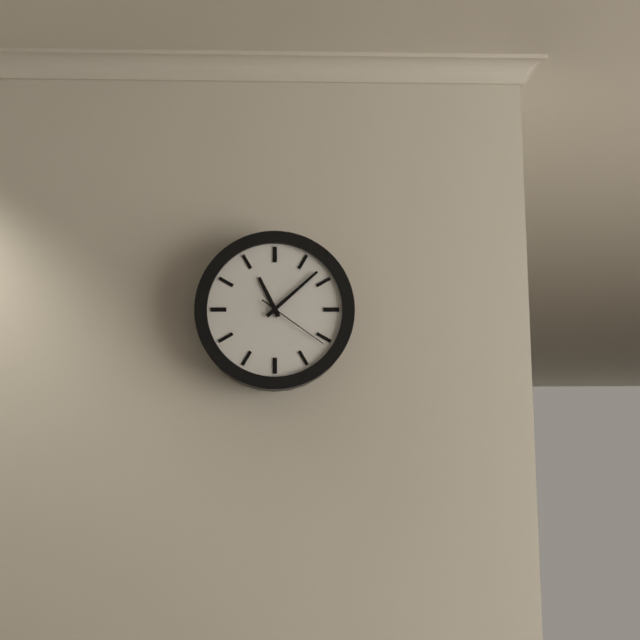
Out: 11:08:21
